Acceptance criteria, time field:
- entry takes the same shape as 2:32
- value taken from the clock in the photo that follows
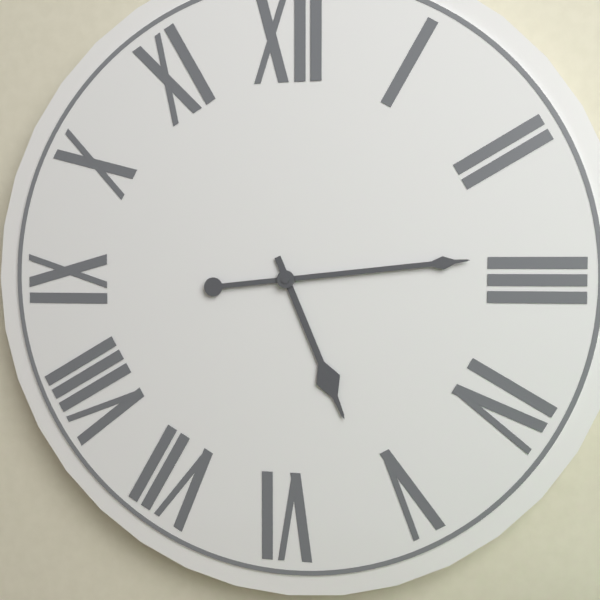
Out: 5:14
